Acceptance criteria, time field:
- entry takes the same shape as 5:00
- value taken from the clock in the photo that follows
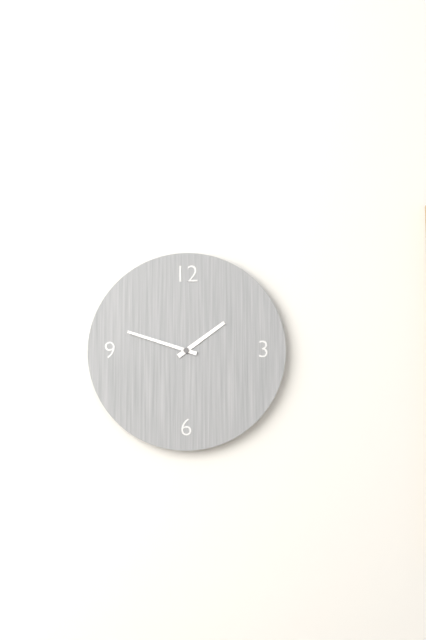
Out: 1:48
